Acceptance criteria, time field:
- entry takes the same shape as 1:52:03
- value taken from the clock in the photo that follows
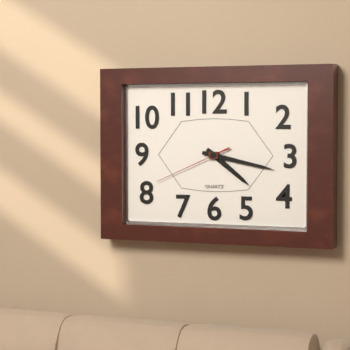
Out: 4:17:41
